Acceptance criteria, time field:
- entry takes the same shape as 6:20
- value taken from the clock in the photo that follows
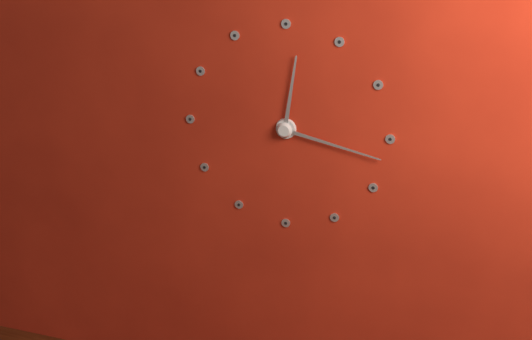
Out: 12:17
